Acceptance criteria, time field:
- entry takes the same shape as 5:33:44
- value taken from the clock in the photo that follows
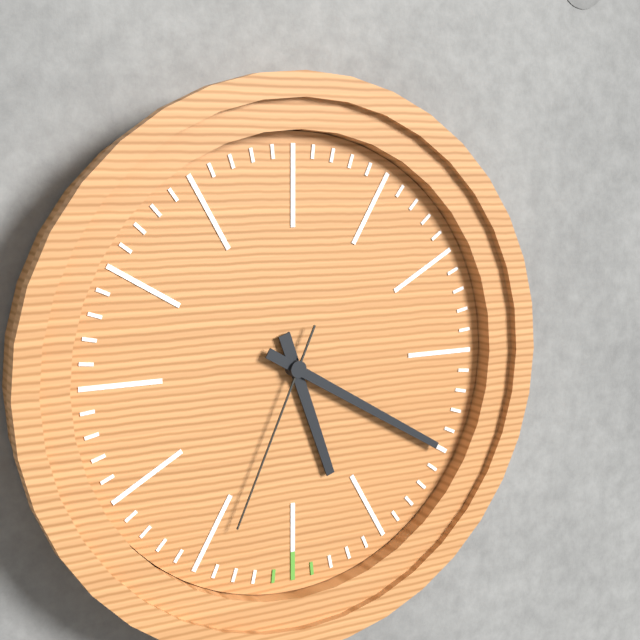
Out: 5:20:34
